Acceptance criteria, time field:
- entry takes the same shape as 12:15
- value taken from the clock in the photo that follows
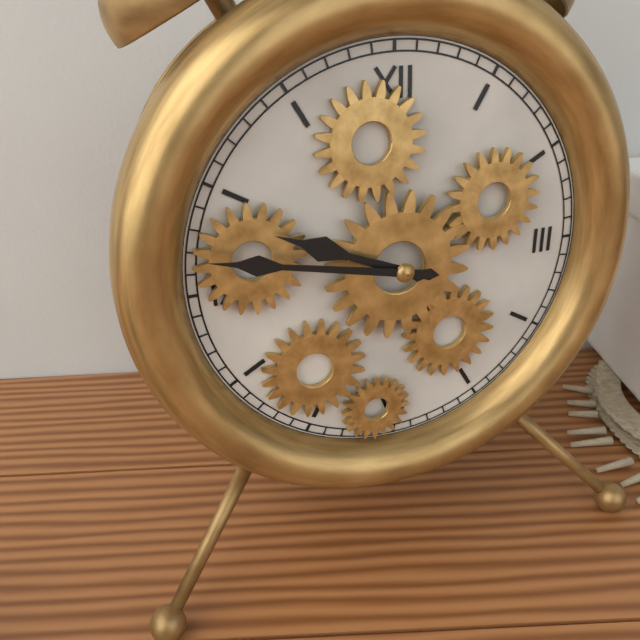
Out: 9:47
